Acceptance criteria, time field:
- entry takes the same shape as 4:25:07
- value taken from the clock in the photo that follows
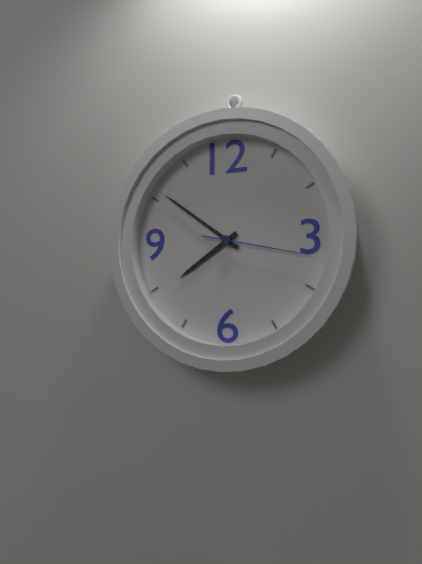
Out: 7:51:17
